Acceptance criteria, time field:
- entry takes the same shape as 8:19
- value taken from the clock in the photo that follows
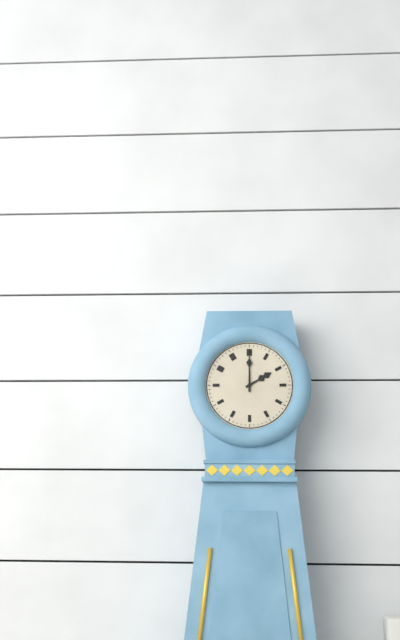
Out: 2:00
